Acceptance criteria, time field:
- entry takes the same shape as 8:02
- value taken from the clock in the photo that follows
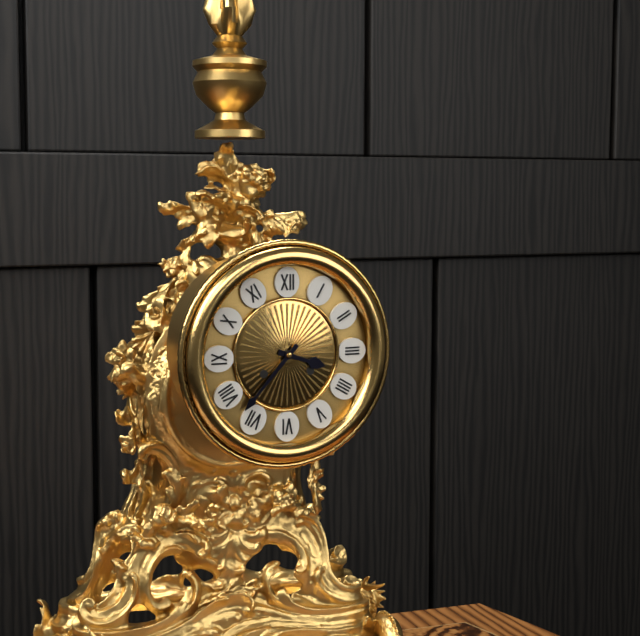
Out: 3:37
